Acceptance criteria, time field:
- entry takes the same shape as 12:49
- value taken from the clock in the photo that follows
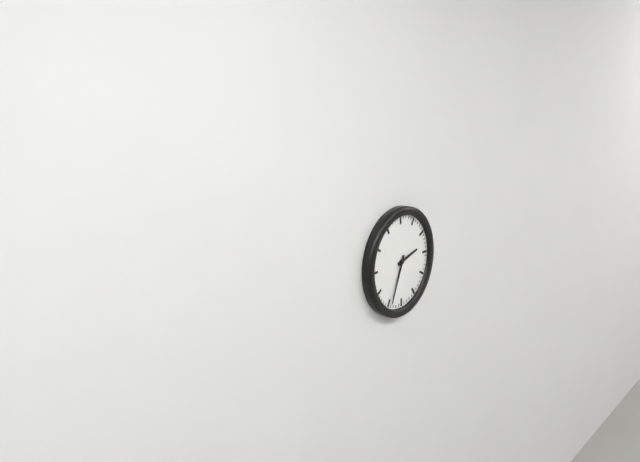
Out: 2:34
